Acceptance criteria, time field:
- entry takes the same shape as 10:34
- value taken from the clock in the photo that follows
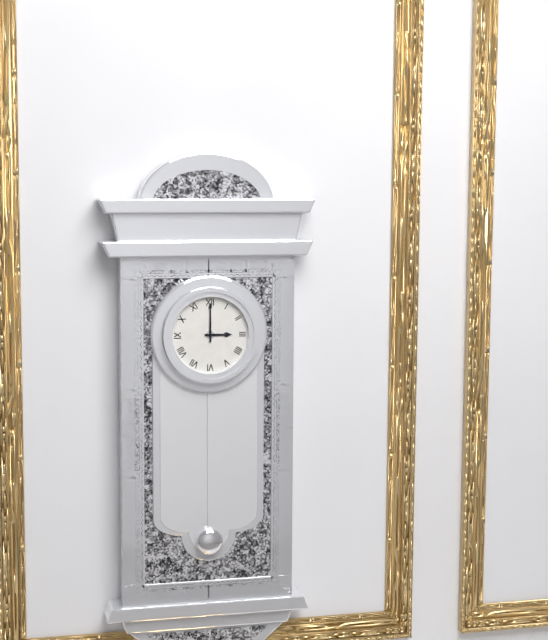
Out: 3:00
